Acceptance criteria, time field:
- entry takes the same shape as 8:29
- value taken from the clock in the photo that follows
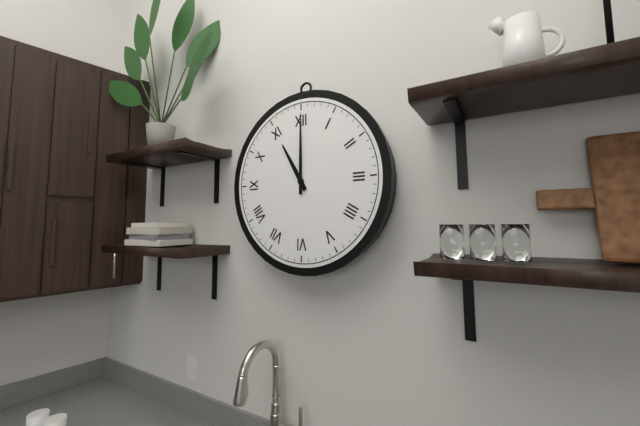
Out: 11:00
